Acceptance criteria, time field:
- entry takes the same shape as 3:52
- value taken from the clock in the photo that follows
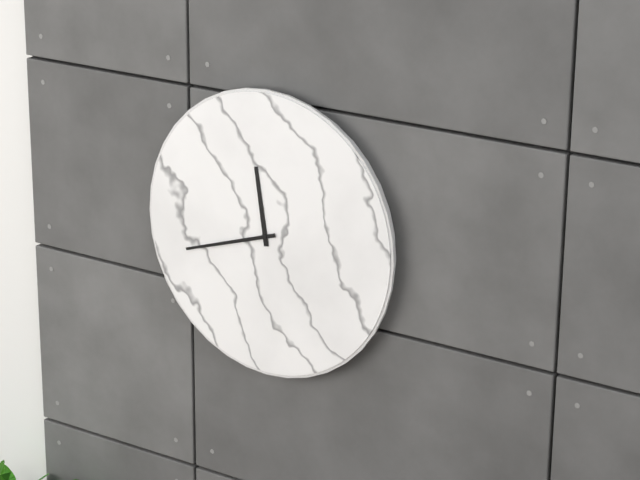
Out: 11:42
